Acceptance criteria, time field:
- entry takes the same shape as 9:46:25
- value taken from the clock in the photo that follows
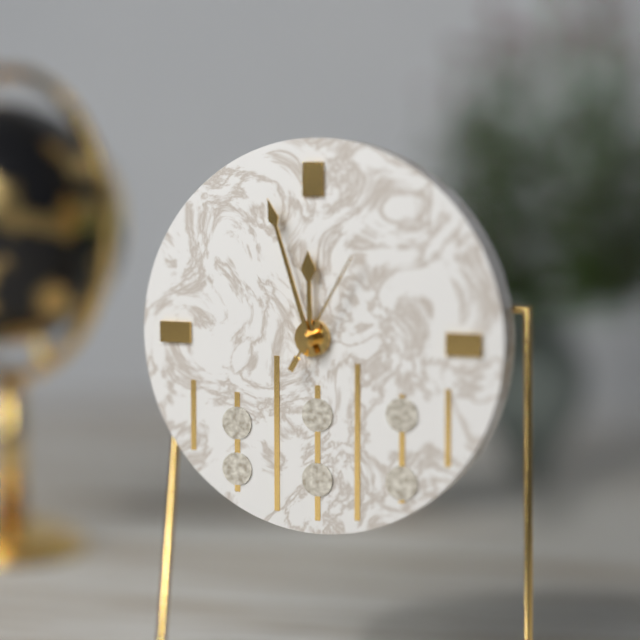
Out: 11:57:05
